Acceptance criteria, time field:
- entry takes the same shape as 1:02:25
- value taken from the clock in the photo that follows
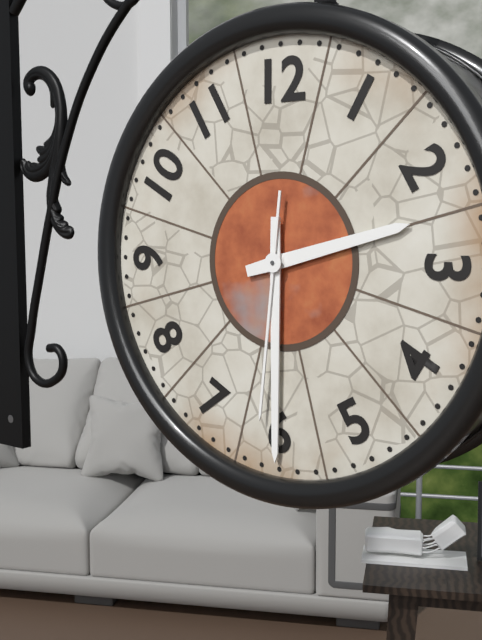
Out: 2:30:31
